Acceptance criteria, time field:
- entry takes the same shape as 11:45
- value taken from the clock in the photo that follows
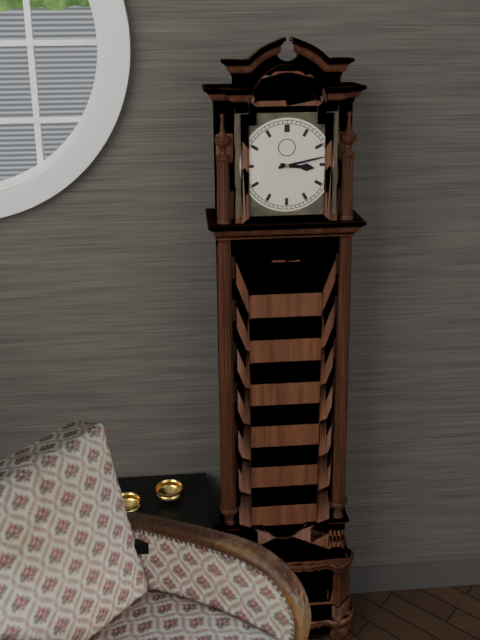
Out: 3:13
